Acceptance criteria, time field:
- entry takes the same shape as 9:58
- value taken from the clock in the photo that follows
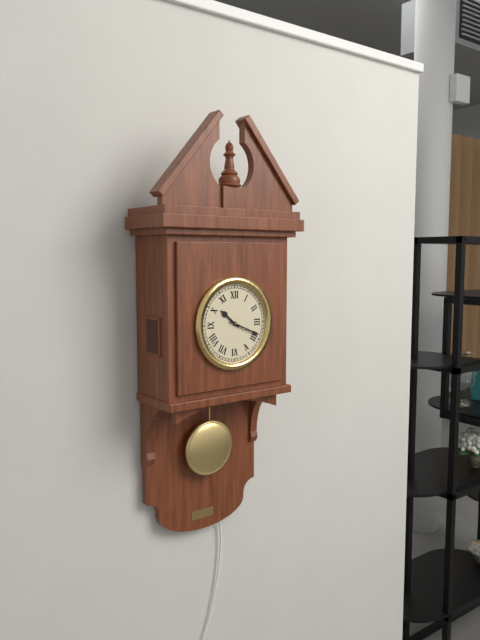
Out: 10:19
